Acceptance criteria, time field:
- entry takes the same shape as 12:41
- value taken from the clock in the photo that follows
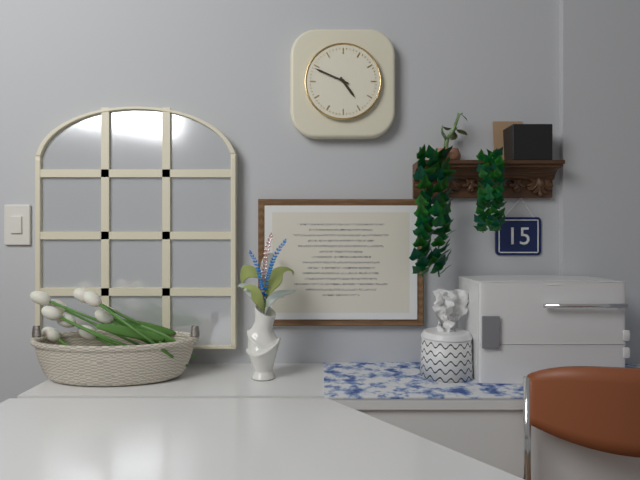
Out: 4:49
